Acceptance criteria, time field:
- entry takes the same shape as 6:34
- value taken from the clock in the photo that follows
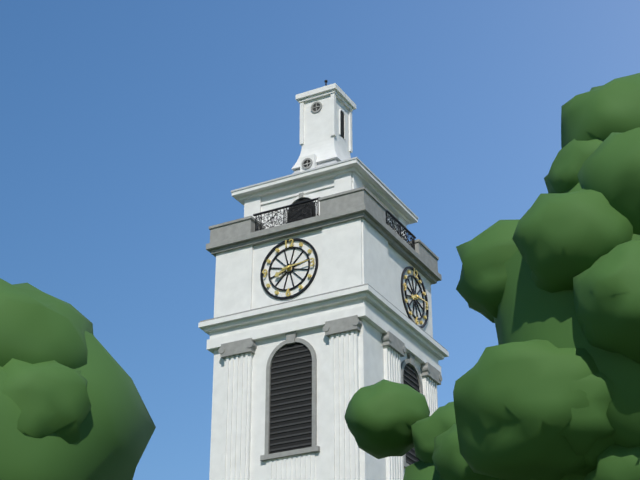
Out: 8:14
